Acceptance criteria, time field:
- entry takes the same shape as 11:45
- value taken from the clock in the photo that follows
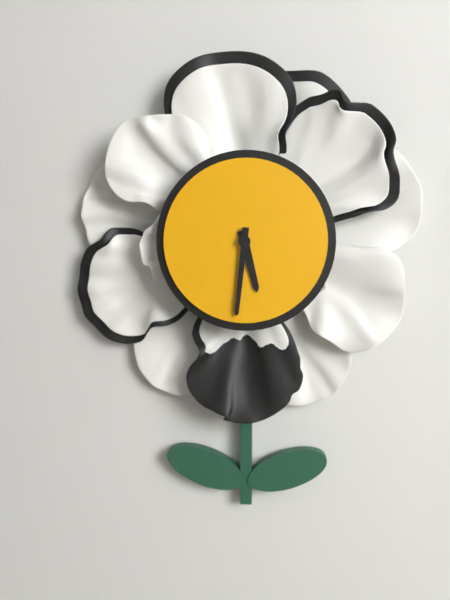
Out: 5:31
